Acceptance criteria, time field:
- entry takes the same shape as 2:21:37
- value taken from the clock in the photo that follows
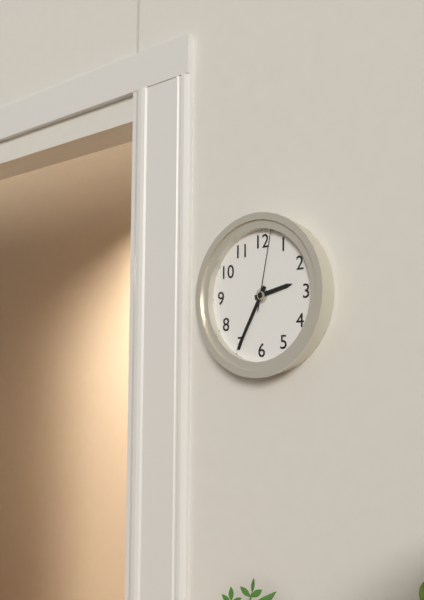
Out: 2:35:02
